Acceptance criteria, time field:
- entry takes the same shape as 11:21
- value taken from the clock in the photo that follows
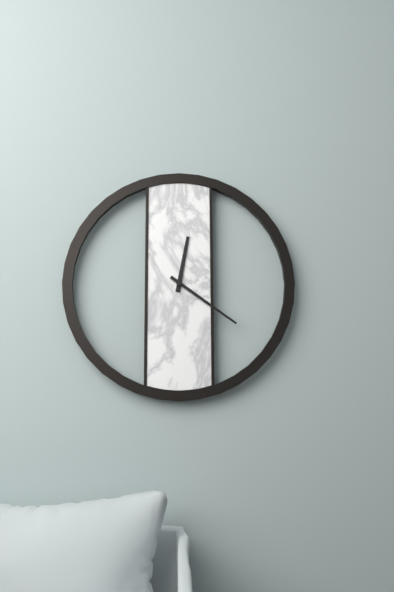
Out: 12:21
